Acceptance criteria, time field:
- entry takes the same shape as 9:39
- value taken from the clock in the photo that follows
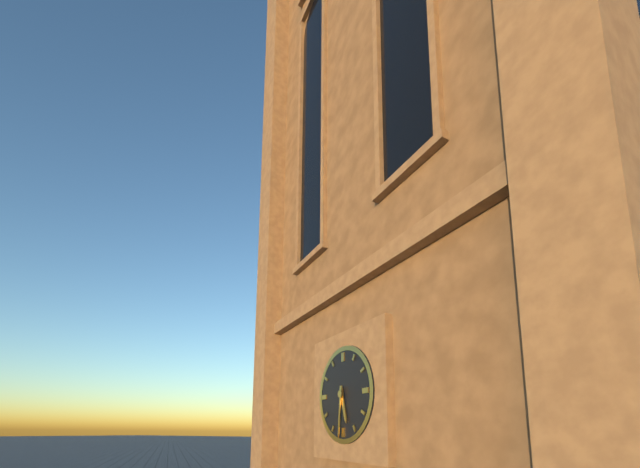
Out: 5:31
